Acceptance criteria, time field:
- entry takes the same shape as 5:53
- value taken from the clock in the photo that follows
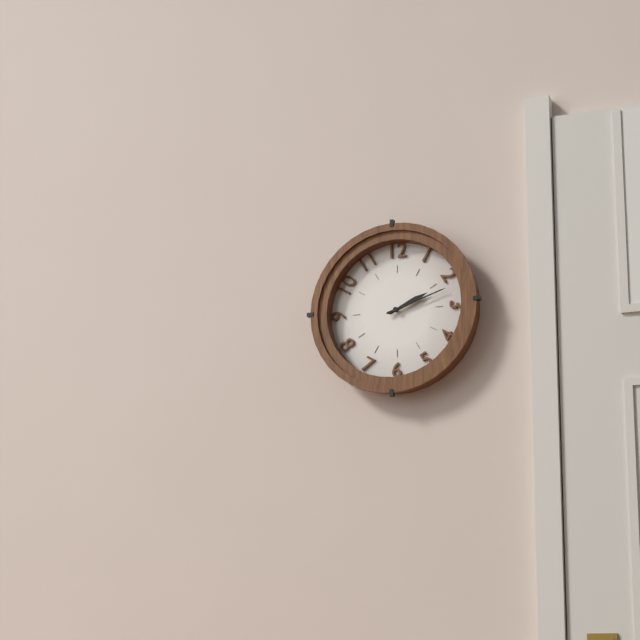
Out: 2:12
